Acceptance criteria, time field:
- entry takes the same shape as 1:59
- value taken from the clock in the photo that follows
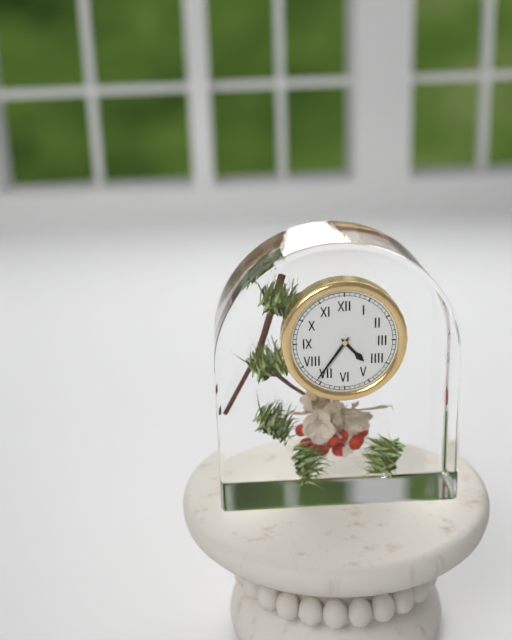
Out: 4:36
